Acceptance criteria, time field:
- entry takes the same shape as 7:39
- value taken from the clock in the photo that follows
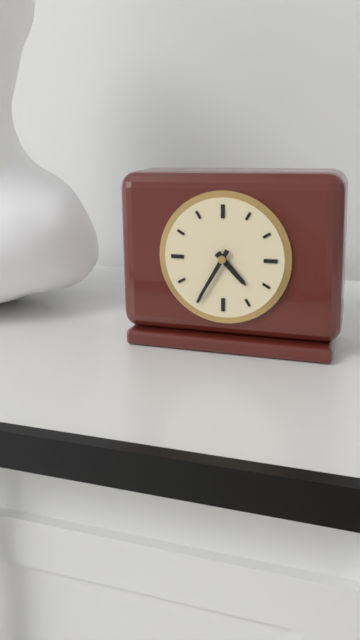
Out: 4:35
